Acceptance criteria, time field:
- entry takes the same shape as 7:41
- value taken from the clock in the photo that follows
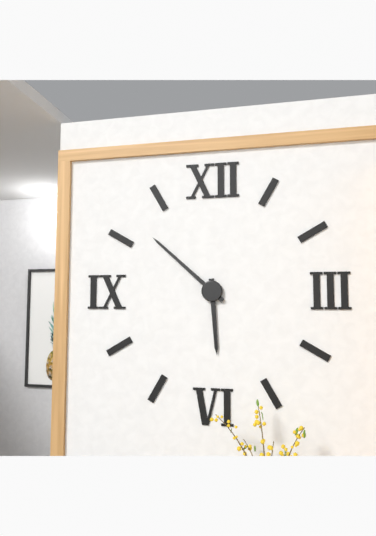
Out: 5:52
